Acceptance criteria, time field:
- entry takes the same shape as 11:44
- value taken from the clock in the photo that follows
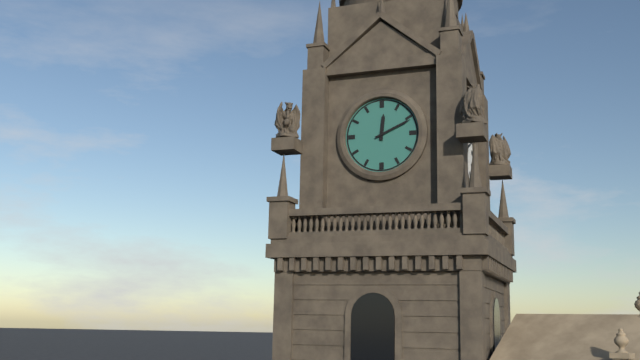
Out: 12:11
